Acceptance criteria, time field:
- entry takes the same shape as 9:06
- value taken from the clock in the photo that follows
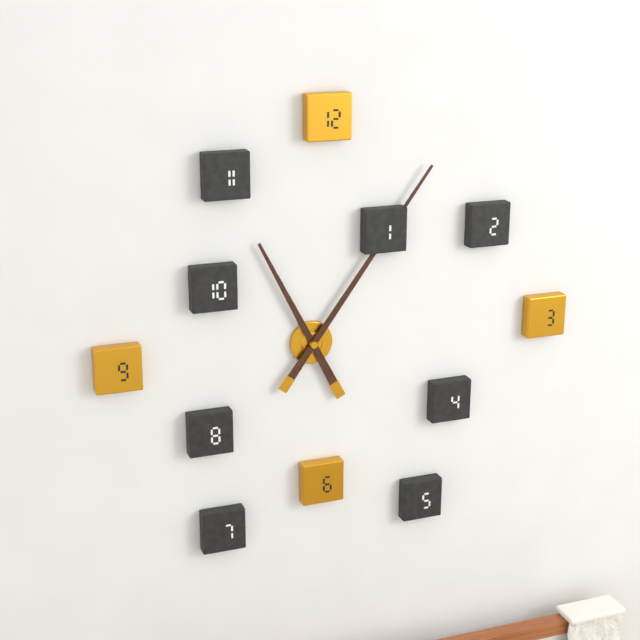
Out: 11:06
